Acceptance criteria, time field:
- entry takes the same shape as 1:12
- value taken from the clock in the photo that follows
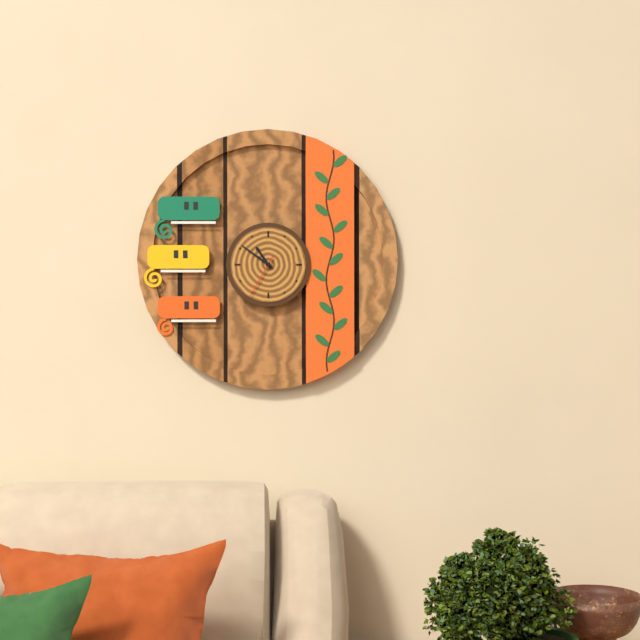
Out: 10:51
